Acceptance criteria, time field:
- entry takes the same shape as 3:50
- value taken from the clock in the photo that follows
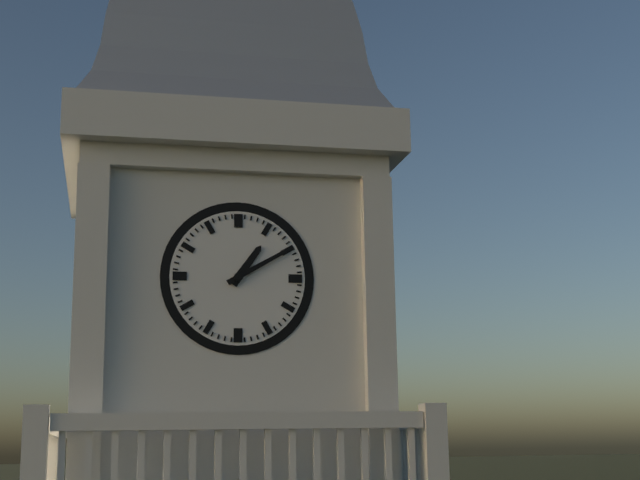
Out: 1:10
